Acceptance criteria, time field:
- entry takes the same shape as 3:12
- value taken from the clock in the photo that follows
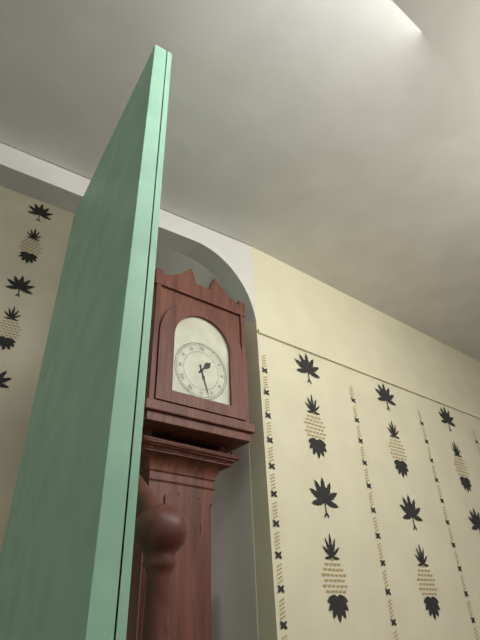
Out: 1:27
